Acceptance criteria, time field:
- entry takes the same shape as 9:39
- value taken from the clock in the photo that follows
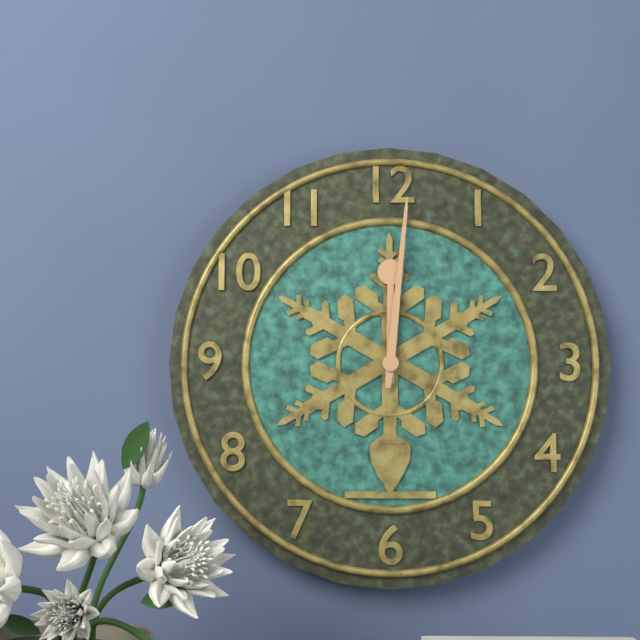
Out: 12:01
